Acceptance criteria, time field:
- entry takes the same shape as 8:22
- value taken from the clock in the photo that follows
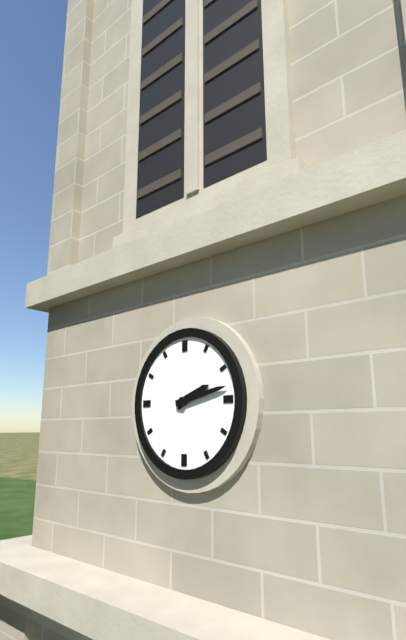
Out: 2:13
